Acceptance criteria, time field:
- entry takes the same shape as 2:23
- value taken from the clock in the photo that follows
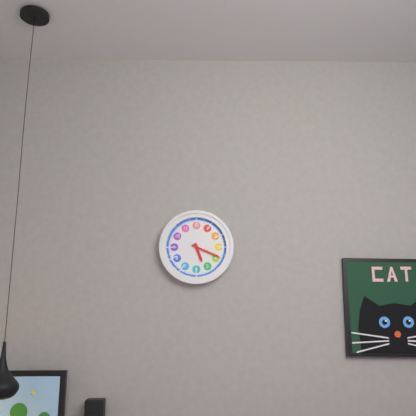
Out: 5:19
